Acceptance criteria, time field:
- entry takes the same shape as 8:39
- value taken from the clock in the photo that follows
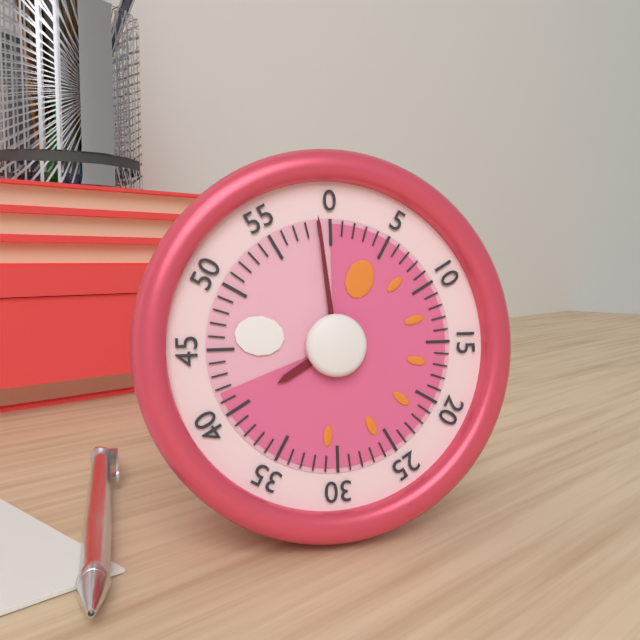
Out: 7:59
